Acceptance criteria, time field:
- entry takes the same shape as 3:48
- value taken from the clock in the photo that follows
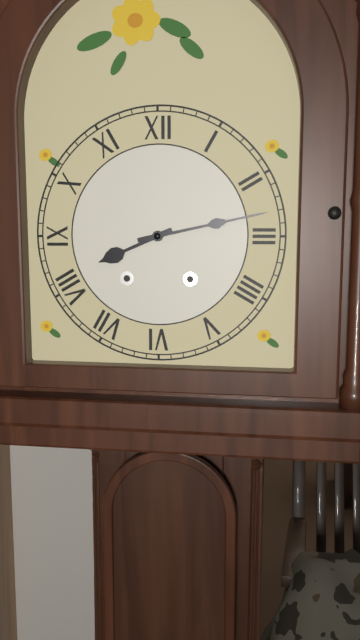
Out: 8:13
